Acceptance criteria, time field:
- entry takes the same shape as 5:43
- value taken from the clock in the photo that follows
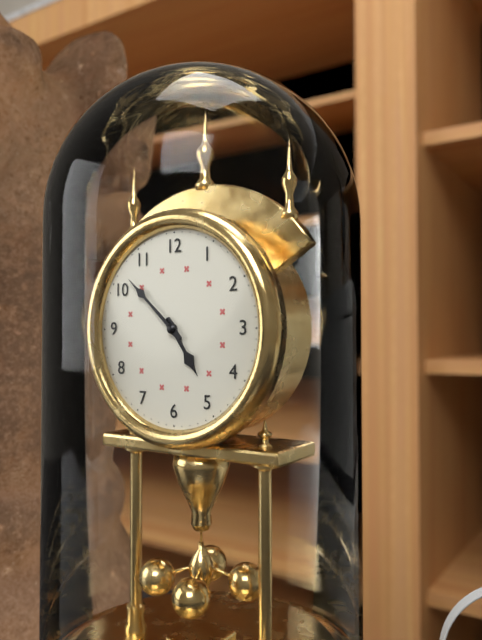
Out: 4:52
